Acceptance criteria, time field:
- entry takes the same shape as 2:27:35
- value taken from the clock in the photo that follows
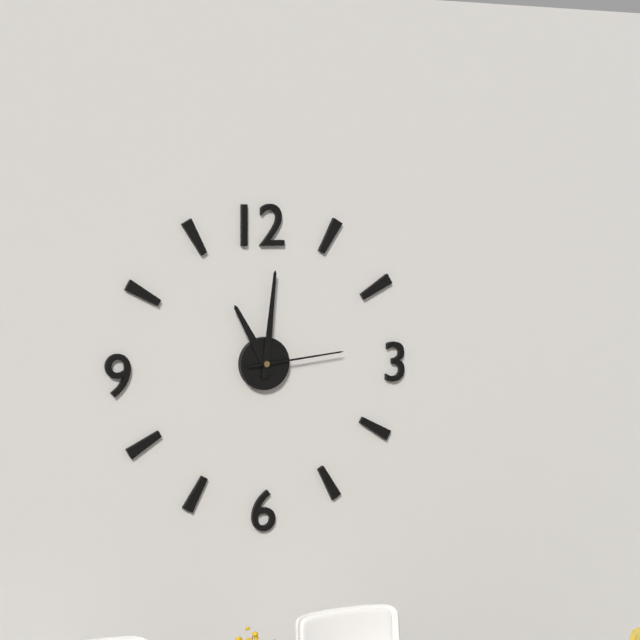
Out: 11:01:14
